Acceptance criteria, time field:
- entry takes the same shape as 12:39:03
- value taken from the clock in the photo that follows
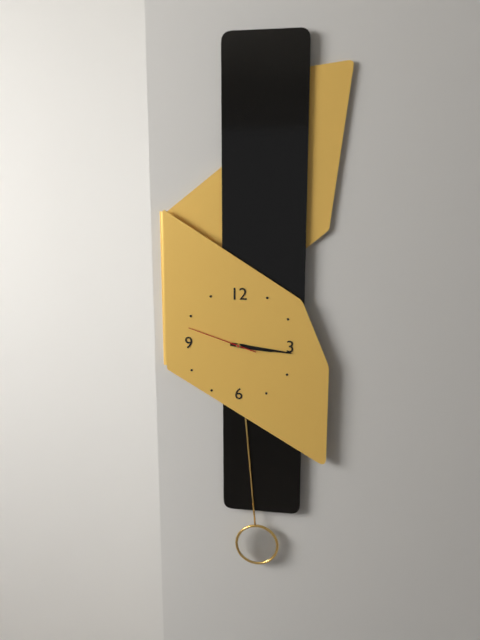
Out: 3:16:48
